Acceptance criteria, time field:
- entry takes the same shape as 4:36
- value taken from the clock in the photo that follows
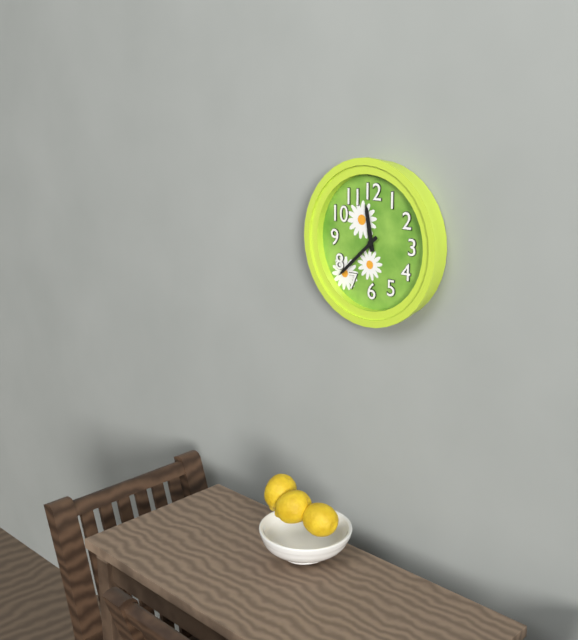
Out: 11:38
